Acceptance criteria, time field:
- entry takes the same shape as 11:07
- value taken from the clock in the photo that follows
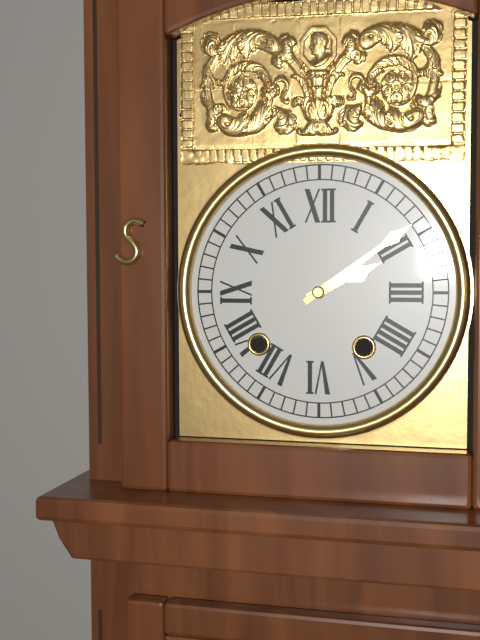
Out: 2:09
